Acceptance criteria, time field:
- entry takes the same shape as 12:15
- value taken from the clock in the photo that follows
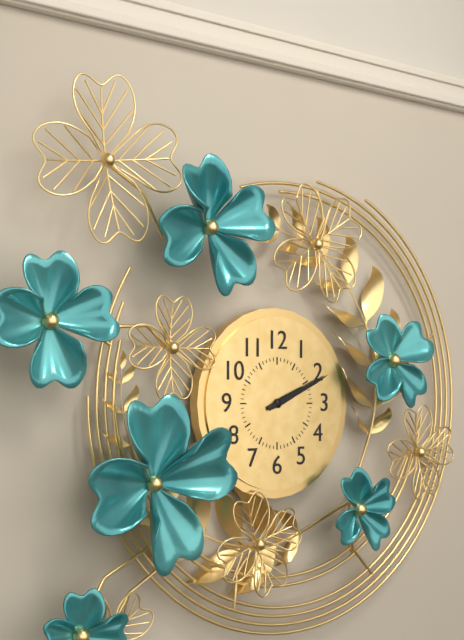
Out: 2:11
